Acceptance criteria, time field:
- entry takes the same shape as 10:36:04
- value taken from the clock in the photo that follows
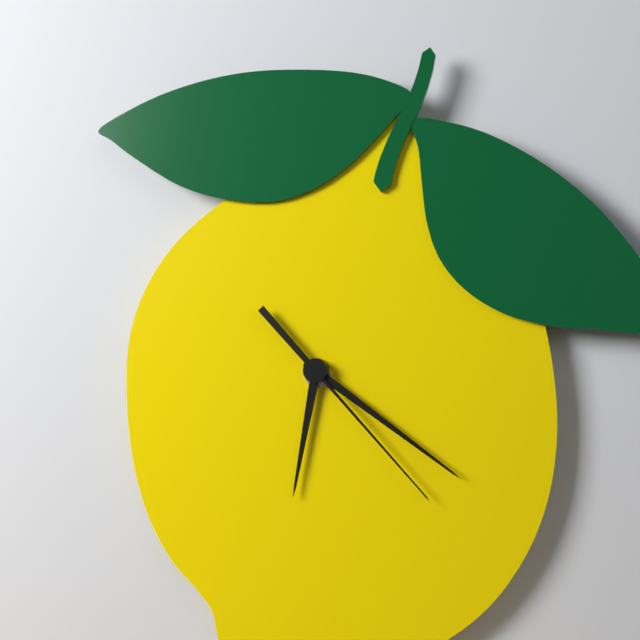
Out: 6:21:23
